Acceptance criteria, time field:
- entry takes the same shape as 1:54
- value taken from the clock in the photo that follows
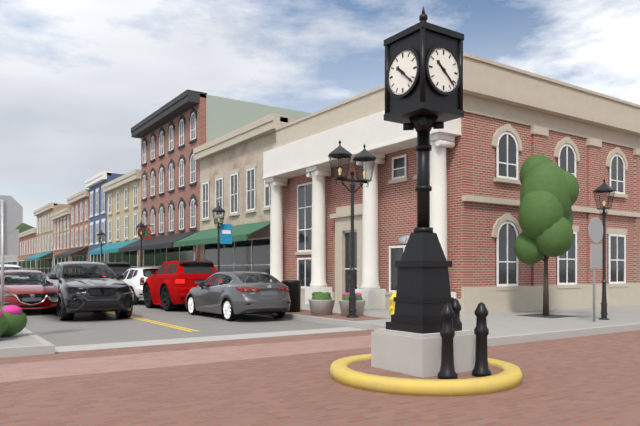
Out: 10:22
